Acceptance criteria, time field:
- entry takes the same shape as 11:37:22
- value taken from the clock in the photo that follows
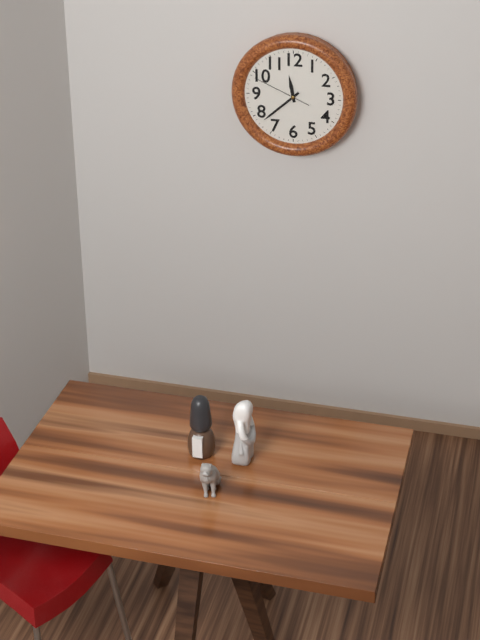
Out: 11:38:49
